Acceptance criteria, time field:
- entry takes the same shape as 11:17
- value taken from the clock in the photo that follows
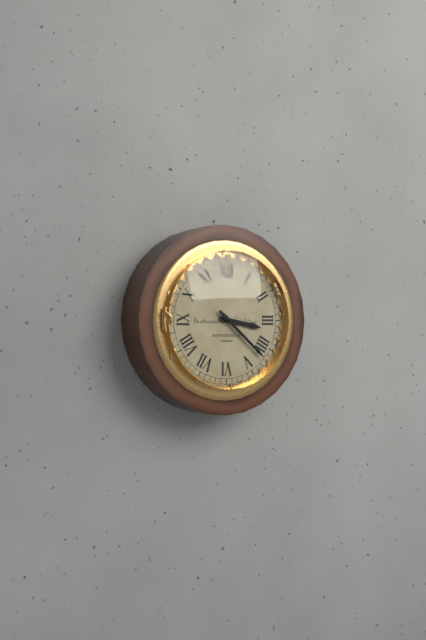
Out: 3:22
